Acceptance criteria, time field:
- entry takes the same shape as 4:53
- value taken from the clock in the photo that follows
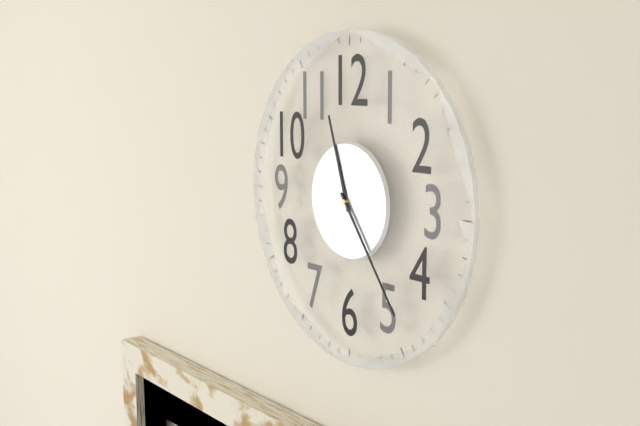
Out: 11:24
